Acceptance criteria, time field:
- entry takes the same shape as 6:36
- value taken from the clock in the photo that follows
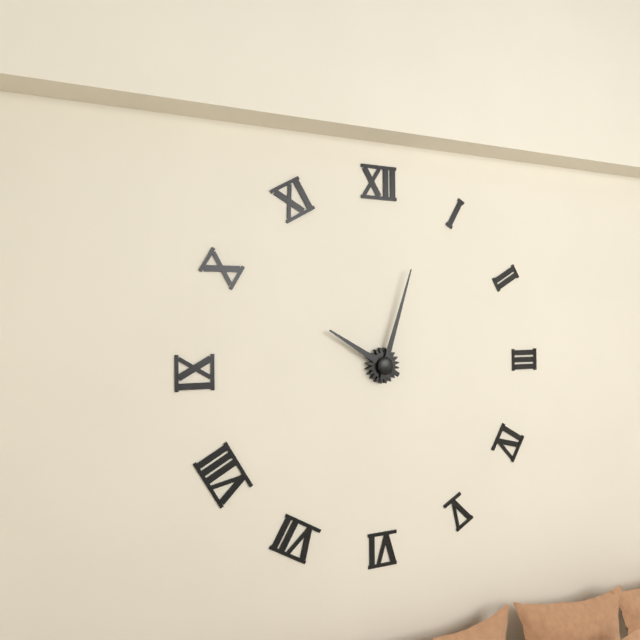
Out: 10:03
